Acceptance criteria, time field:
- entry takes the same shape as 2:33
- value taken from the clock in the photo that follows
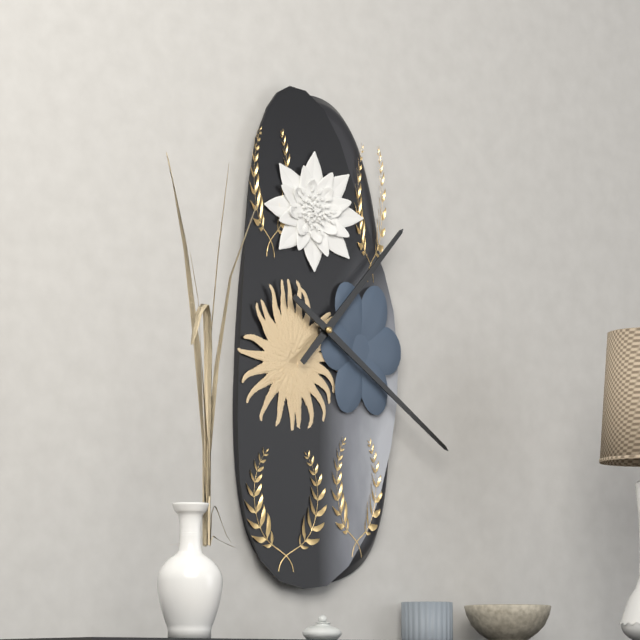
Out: 1:21
